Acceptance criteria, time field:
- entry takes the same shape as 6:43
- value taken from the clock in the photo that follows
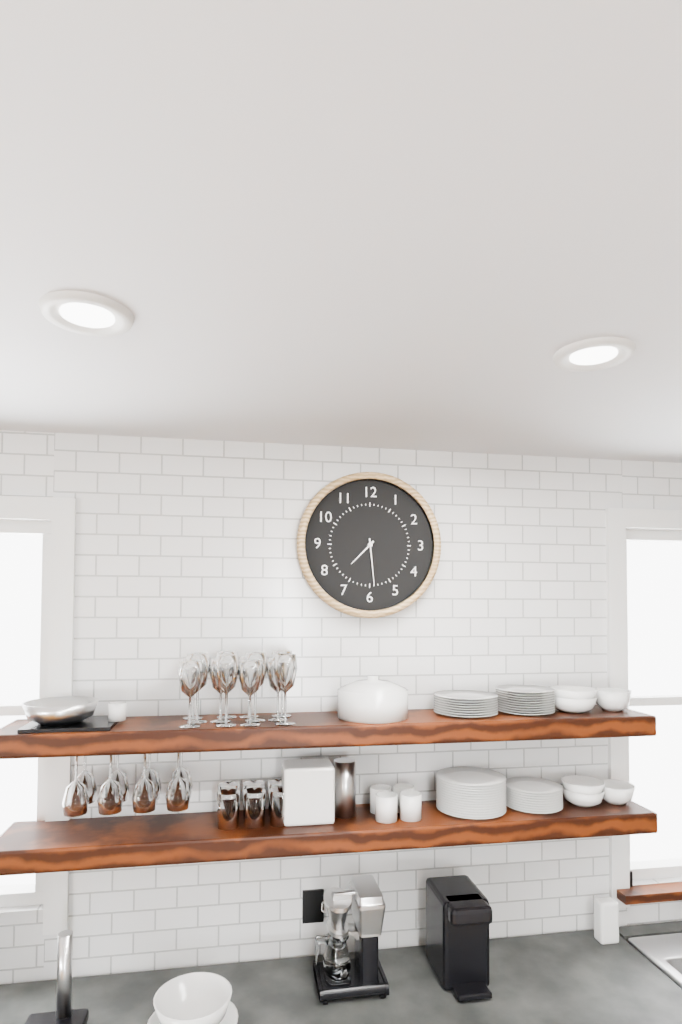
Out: 7:29
